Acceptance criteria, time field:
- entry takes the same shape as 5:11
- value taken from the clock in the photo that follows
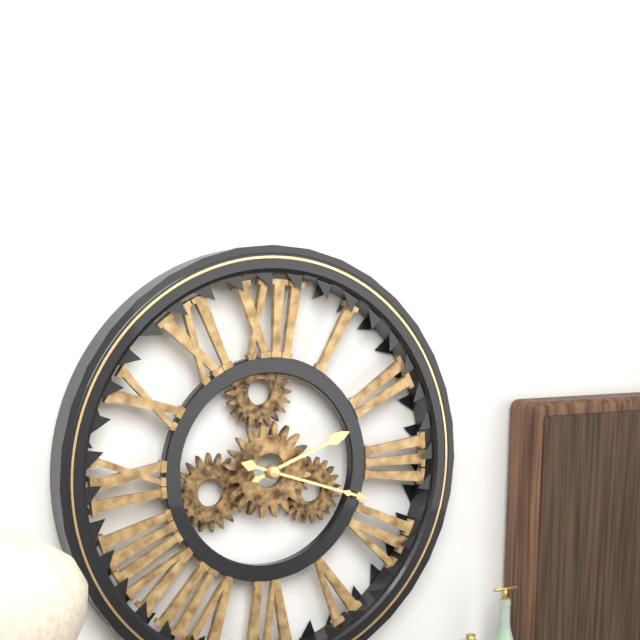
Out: 2:18
